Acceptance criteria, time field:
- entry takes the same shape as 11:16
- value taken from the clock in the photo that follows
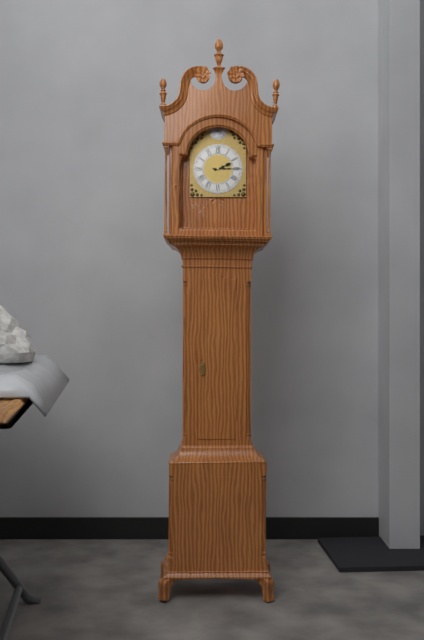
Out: 2:15
